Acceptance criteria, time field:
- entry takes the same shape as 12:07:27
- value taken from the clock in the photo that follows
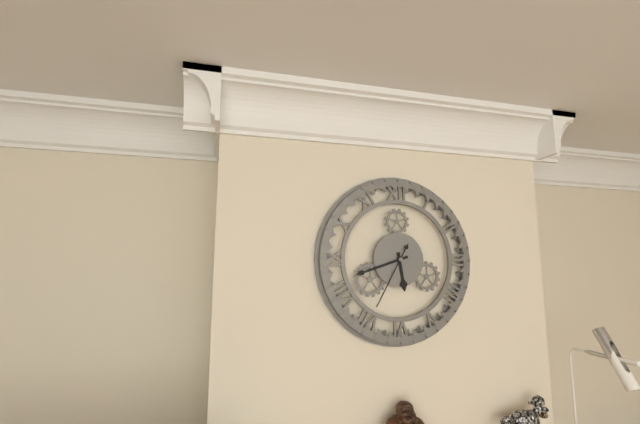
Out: 5:42:35
